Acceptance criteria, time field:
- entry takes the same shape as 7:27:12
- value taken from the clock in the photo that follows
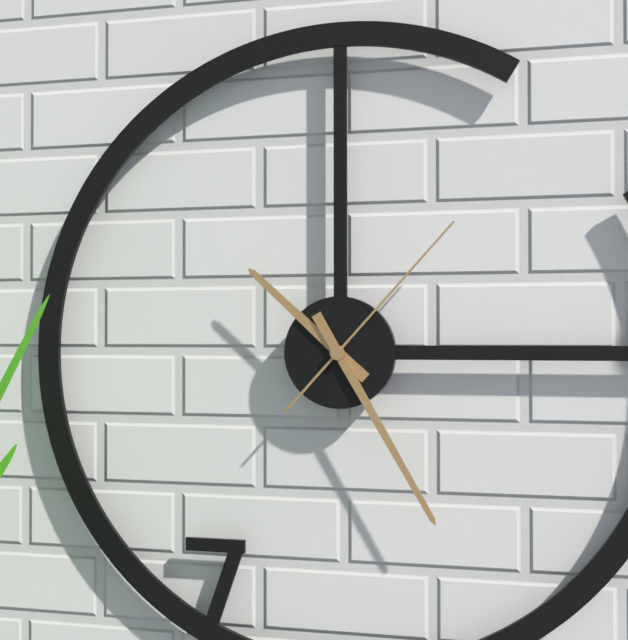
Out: 10:25:07
